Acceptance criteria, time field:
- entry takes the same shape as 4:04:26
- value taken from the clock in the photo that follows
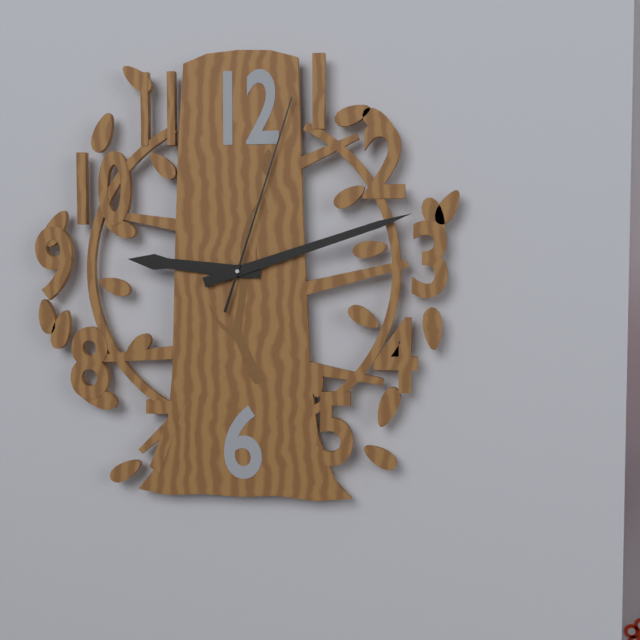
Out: 9:12:03
